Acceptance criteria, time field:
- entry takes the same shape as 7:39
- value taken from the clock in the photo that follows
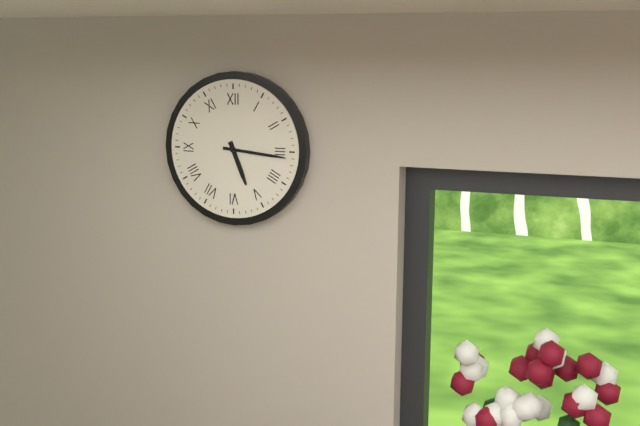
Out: 5:16
